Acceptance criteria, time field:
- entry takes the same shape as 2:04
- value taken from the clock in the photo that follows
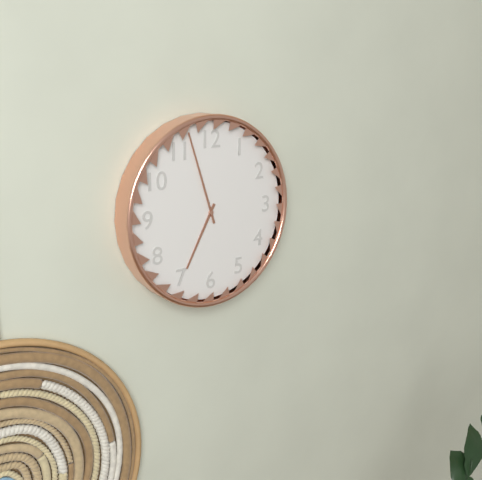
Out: 6:57
